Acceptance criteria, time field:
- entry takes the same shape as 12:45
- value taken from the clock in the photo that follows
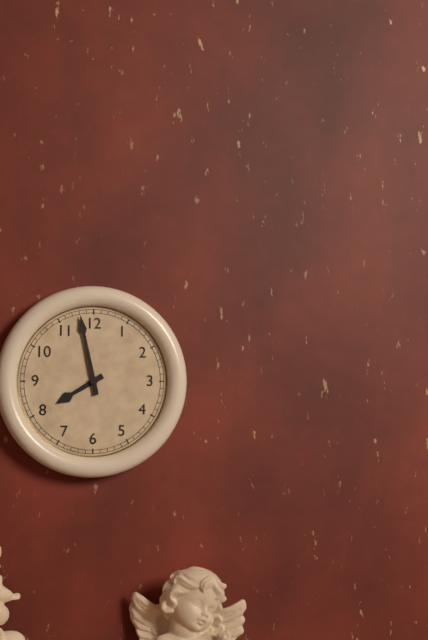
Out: 7:58
